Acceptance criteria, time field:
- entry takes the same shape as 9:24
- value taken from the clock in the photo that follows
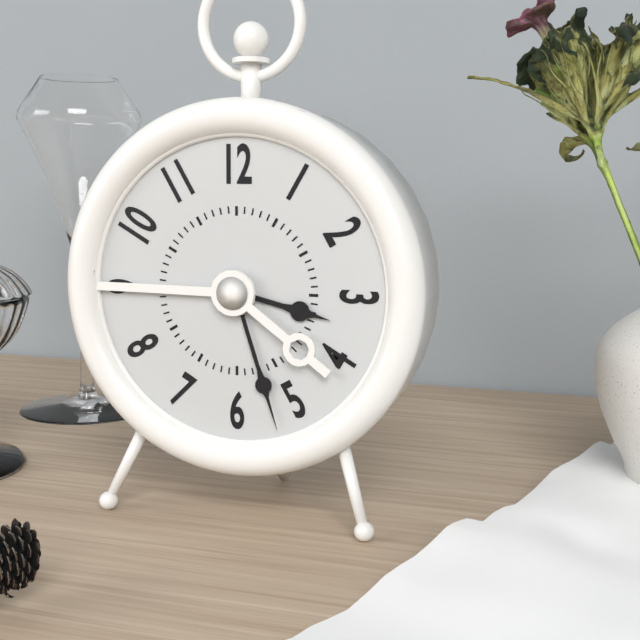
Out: 3:27
